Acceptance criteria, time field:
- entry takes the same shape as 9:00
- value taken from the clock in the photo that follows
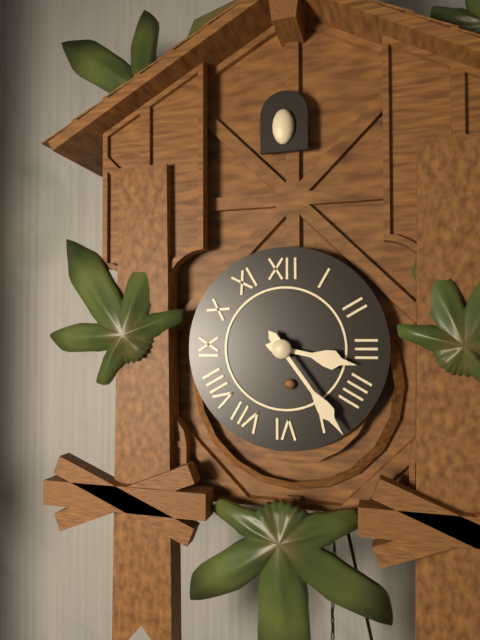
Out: 3:24
